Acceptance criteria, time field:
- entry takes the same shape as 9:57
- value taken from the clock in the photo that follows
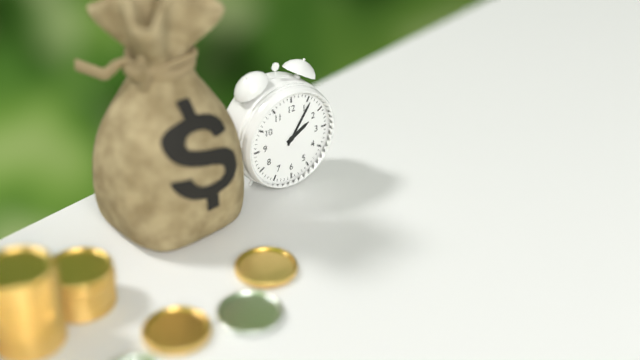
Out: 2:06
